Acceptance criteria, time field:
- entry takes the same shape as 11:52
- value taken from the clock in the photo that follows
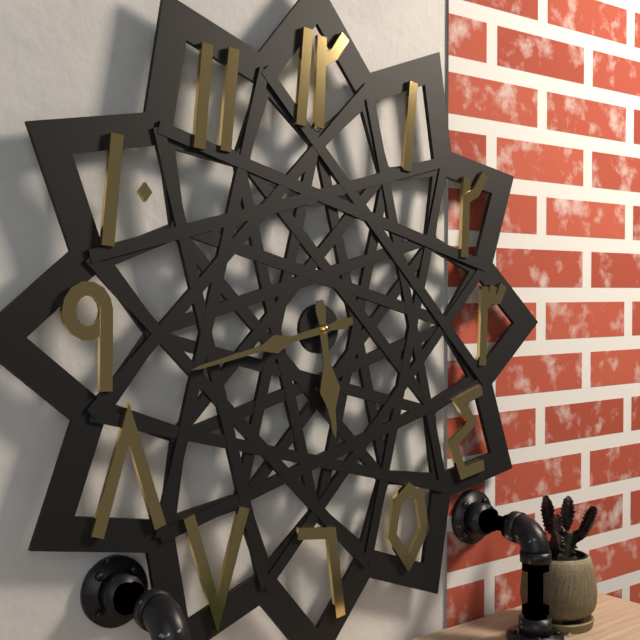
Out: 5:43
